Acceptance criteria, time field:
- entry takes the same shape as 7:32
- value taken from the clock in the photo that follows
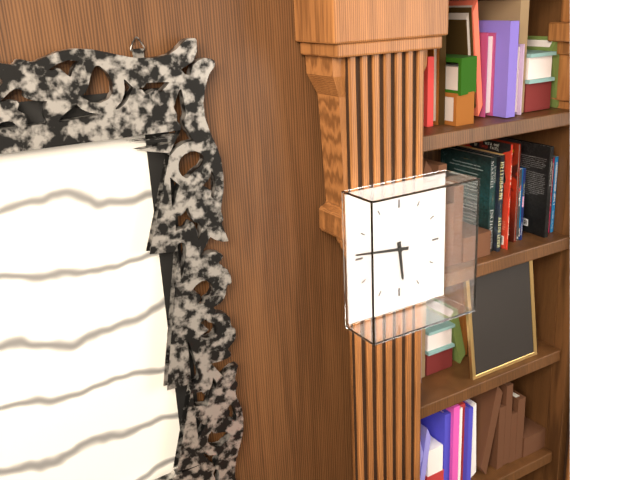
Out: 5:46
